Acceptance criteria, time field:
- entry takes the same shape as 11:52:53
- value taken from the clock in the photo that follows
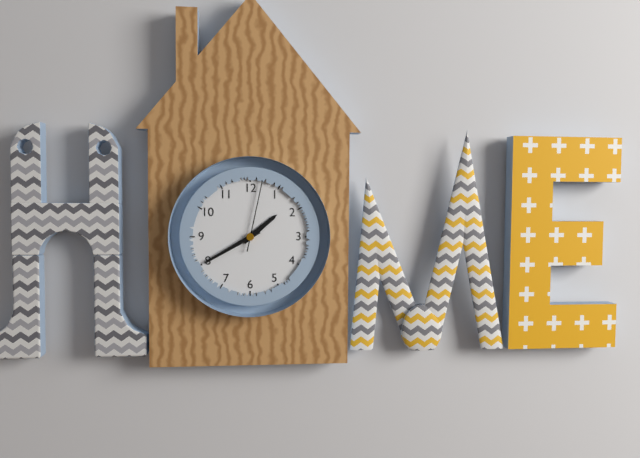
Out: 1:40:02
